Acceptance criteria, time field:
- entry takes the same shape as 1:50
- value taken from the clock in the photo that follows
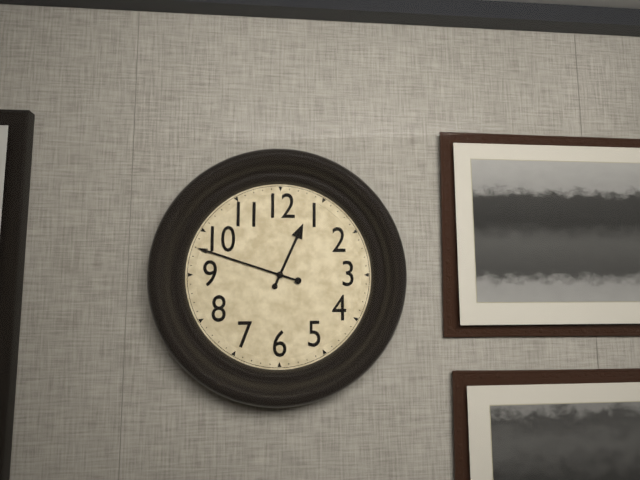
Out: 12:48
